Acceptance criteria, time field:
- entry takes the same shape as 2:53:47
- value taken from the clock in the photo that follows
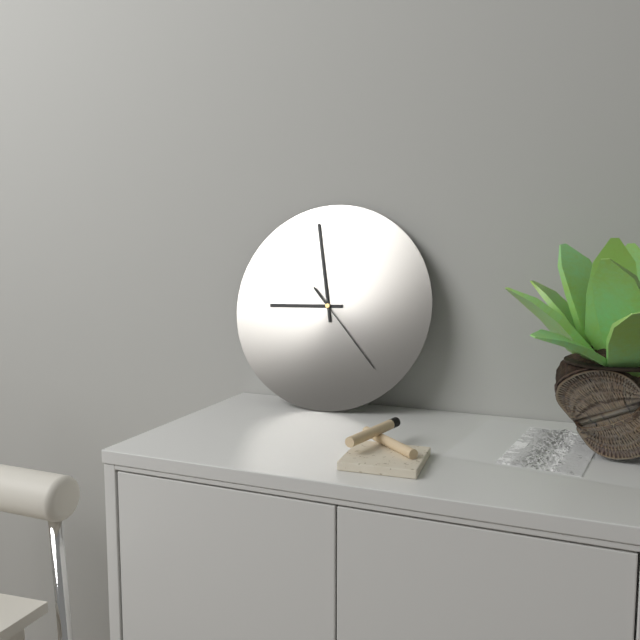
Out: 8:58:23
